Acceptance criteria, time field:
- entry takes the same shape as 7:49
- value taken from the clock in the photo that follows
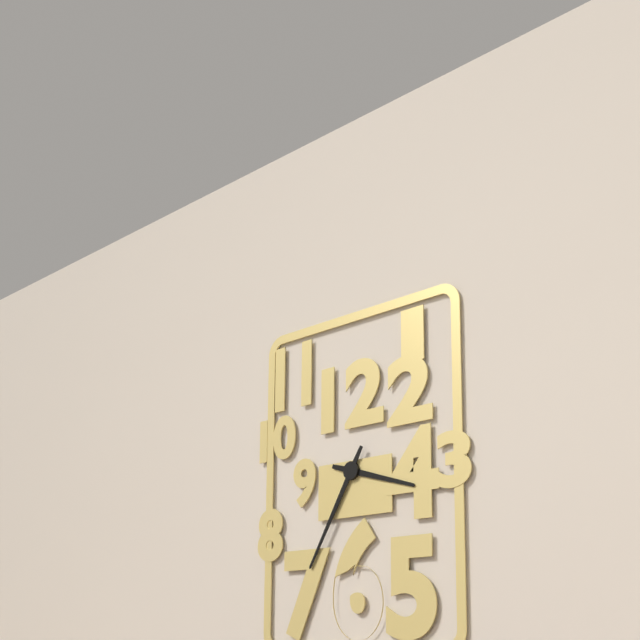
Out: 3:35
